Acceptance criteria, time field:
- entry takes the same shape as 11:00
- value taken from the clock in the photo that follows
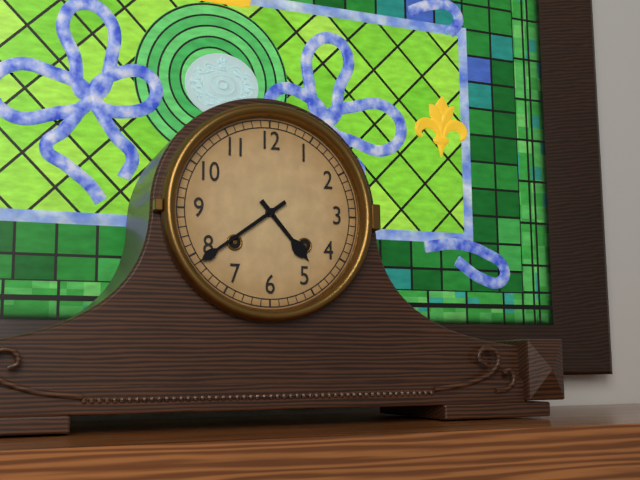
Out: 4:39
